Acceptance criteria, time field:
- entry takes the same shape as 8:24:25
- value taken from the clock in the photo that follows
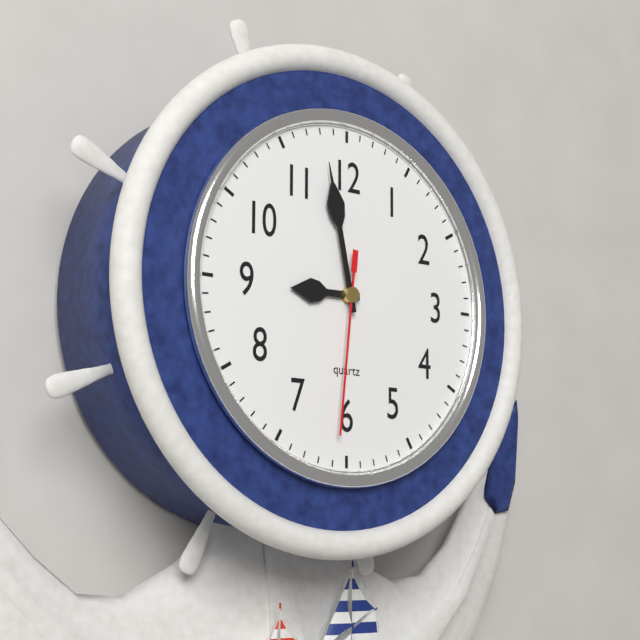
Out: 8:58:31
